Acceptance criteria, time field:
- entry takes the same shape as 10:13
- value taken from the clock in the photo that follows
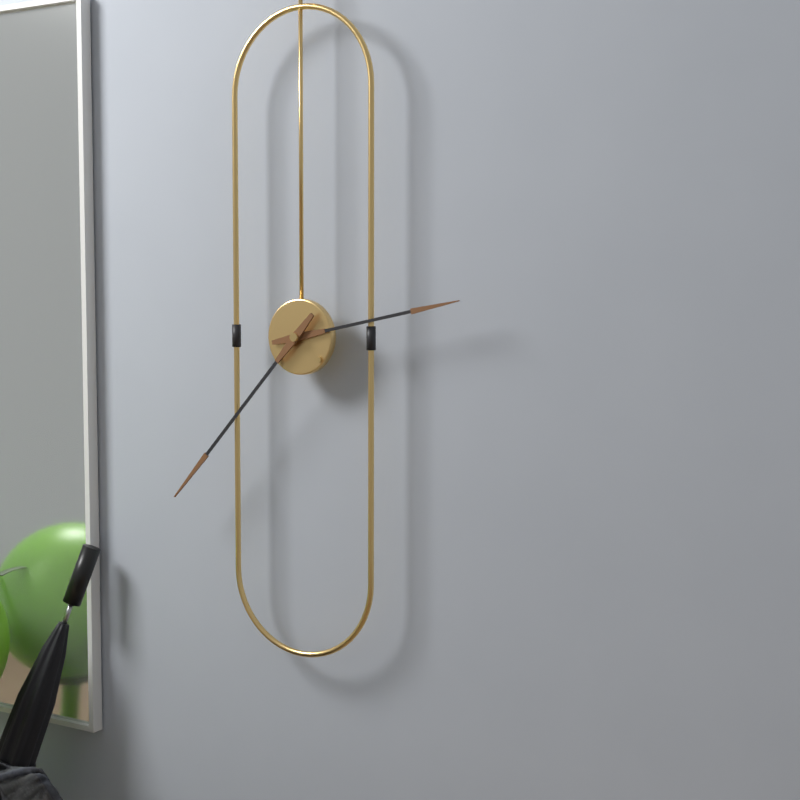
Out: 2:37
